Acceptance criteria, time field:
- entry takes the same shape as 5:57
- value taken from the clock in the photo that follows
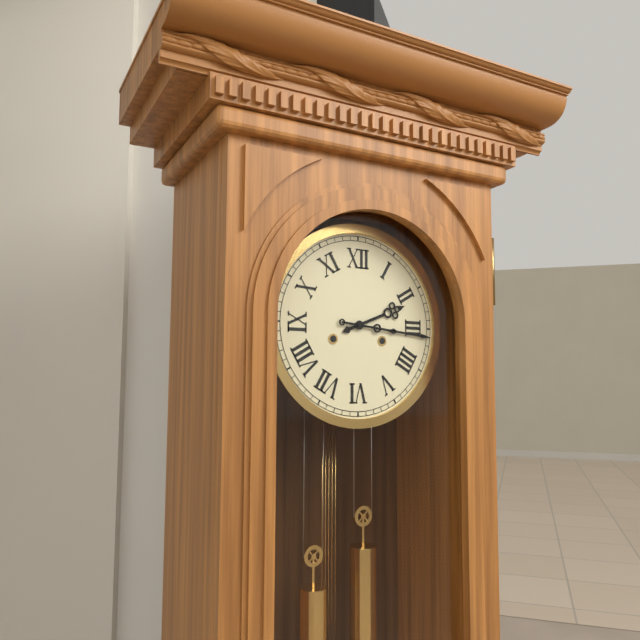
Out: 2:16
